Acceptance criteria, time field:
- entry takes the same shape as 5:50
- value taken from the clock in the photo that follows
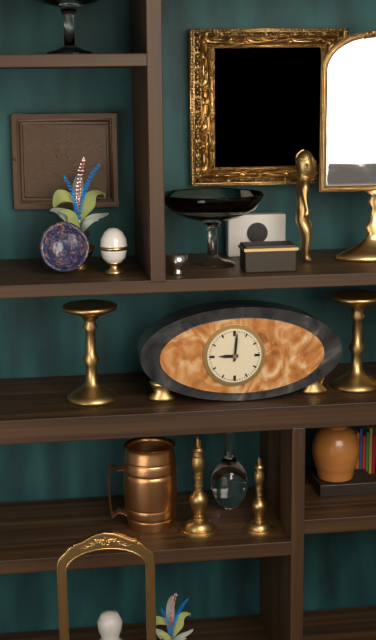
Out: 9:01
